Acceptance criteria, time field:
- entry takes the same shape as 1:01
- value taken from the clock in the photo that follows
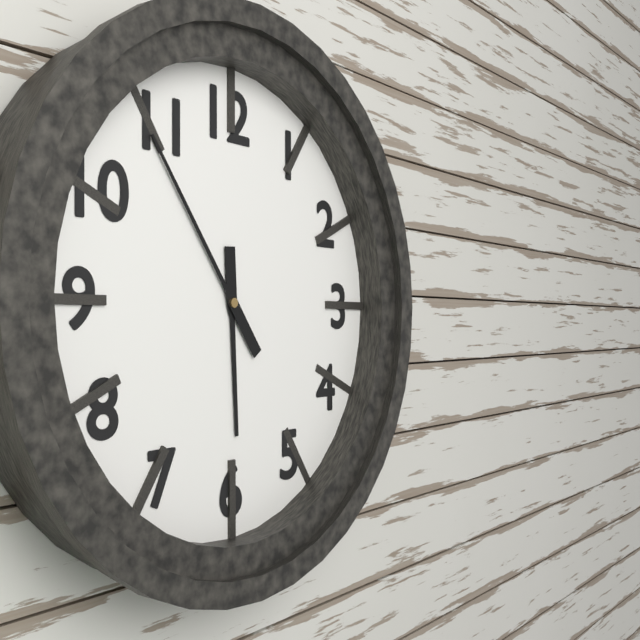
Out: 5:54
